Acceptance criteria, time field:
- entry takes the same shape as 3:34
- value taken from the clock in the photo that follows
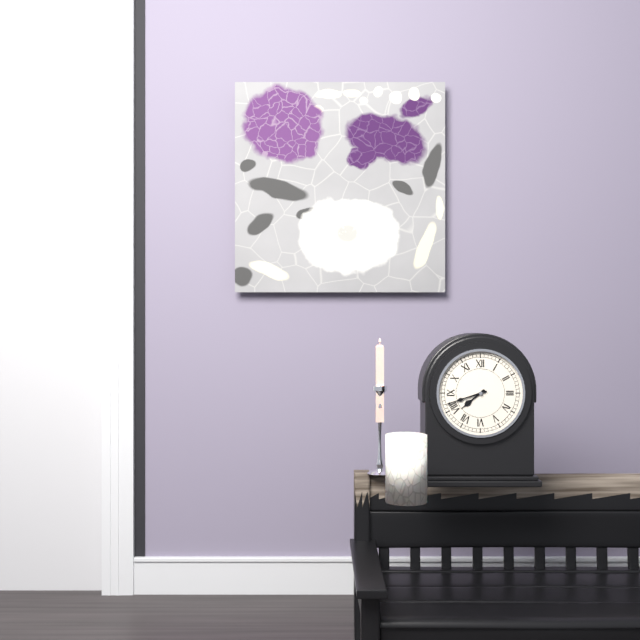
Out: 7:42
